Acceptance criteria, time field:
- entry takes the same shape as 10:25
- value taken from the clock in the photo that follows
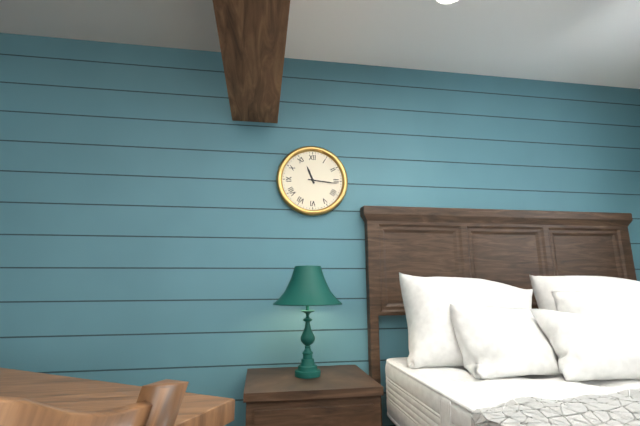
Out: 11:16
